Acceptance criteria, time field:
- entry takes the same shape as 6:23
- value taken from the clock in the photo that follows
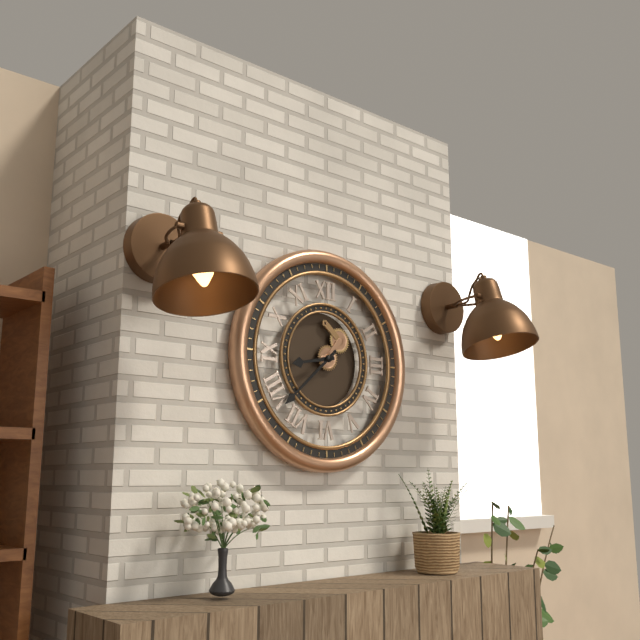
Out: 8:38
